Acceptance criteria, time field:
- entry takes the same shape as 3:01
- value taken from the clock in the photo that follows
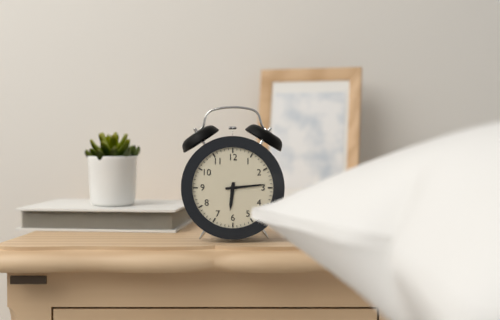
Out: 6:14
